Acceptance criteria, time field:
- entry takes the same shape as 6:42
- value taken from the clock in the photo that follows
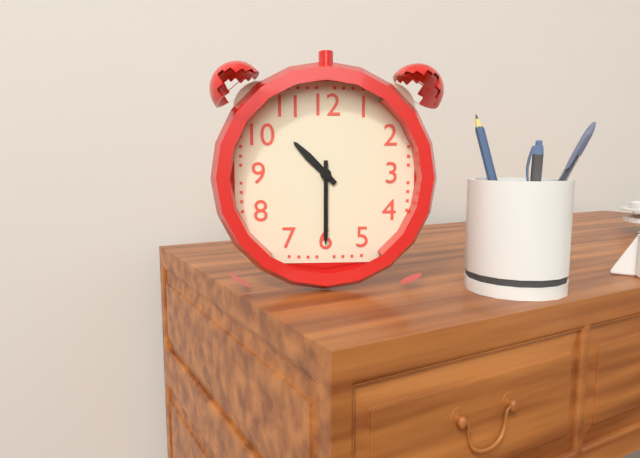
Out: 10:30
